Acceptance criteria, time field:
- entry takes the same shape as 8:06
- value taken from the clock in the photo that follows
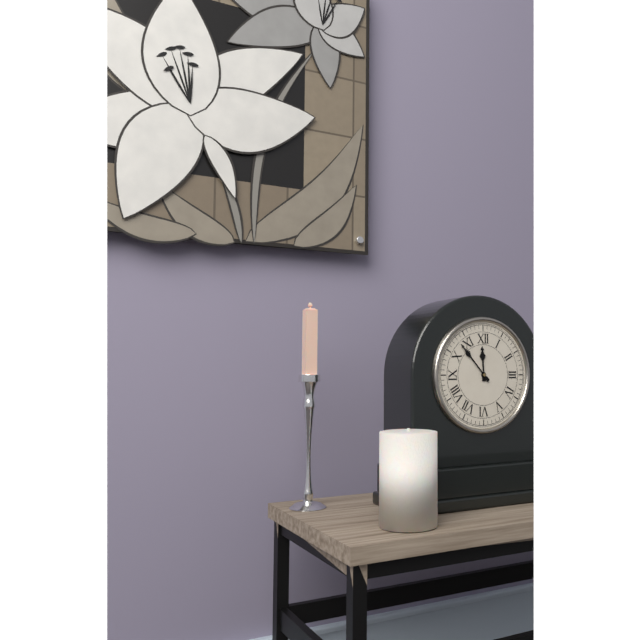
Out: 11:53
